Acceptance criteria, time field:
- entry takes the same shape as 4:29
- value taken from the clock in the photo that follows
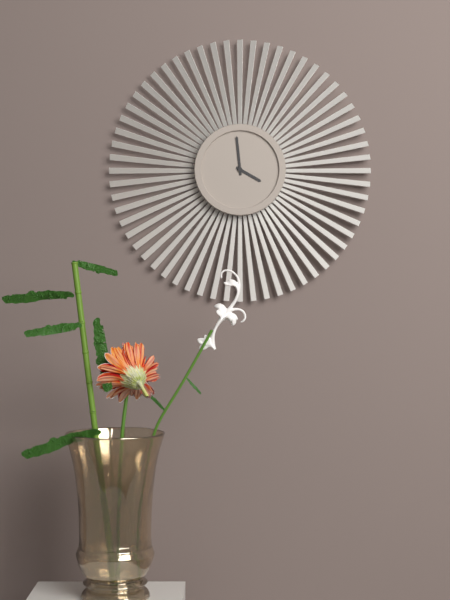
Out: 3:59
